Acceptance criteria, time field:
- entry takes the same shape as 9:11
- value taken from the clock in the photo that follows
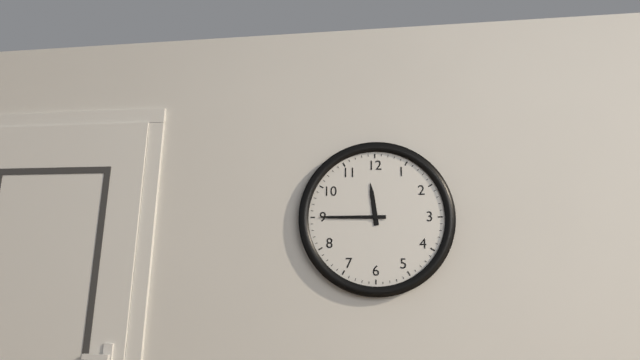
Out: 11:45
